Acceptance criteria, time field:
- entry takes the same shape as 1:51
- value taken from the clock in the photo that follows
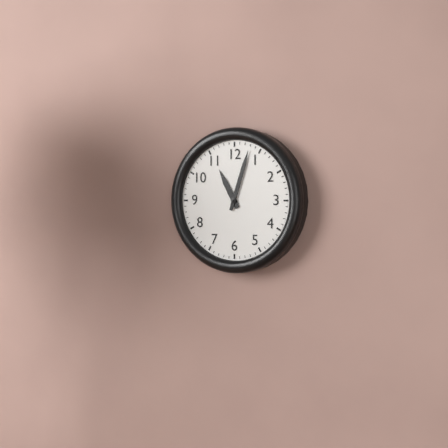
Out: 11:03
